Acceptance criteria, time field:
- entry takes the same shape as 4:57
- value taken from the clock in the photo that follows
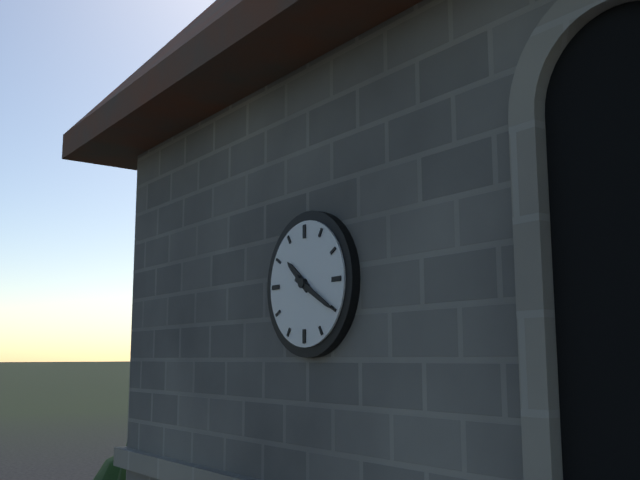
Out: 10:20
